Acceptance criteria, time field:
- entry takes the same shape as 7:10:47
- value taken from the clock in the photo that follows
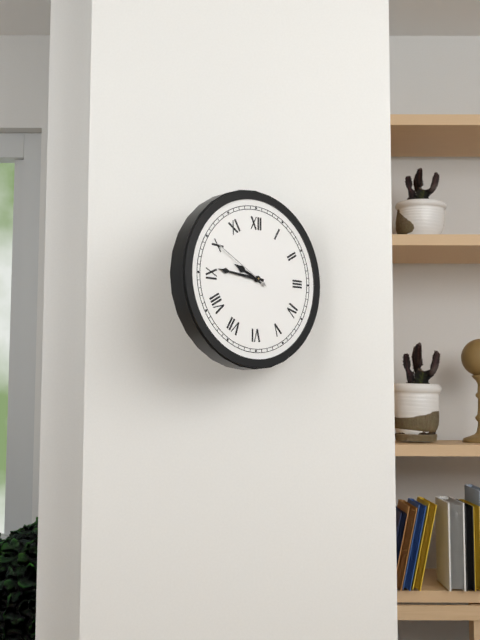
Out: 9:46:50
